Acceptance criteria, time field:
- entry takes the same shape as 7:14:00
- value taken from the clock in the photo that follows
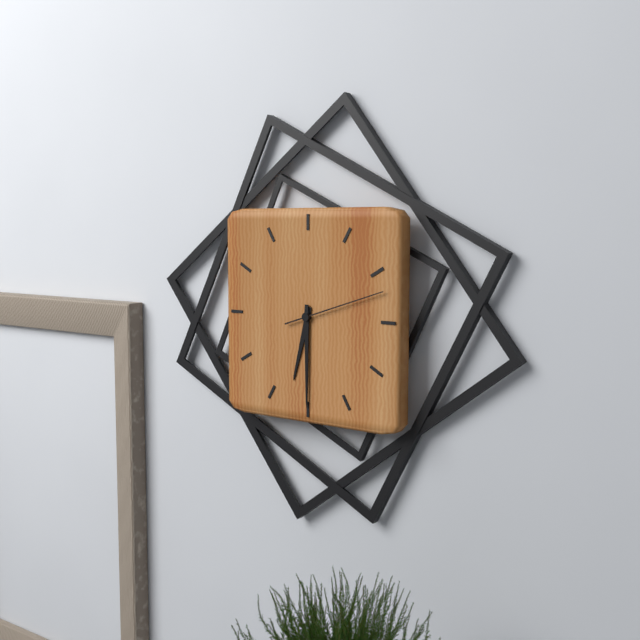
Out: 6:30:12
